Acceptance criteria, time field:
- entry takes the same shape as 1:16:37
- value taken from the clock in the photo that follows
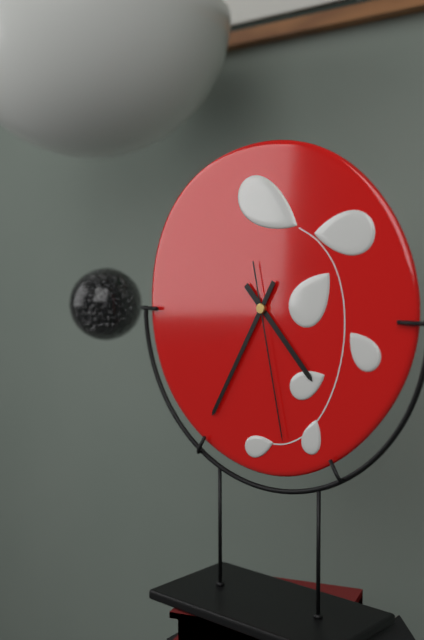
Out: 4:35:28
